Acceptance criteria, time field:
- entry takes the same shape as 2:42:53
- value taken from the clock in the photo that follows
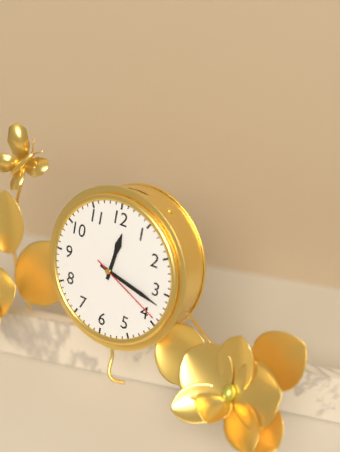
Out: 12:17:19
